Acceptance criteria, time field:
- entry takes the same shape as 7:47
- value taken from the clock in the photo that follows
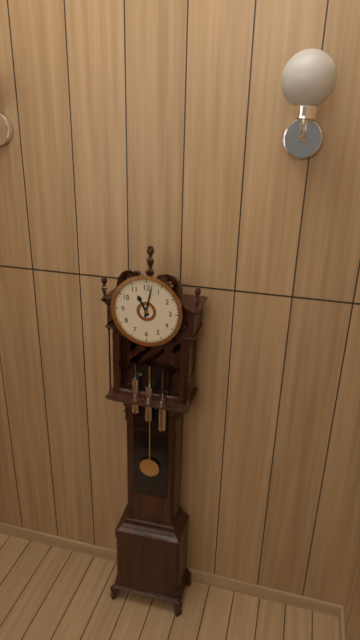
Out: 11:02
